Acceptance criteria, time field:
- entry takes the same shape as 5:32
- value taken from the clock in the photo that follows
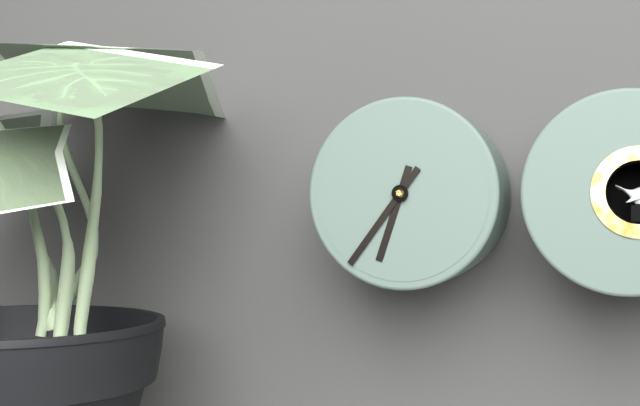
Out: 6:36
